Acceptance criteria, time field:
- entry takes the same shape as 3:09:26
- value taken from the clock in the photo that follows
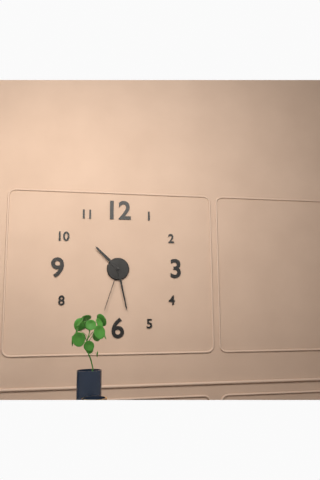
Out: 10:28:33
